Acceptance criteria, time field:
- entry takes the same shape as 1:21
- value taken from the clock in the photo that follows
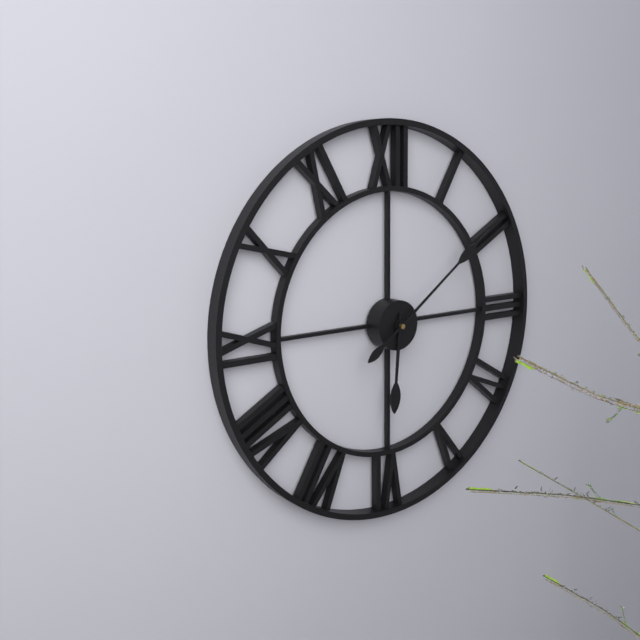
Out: 6:09
